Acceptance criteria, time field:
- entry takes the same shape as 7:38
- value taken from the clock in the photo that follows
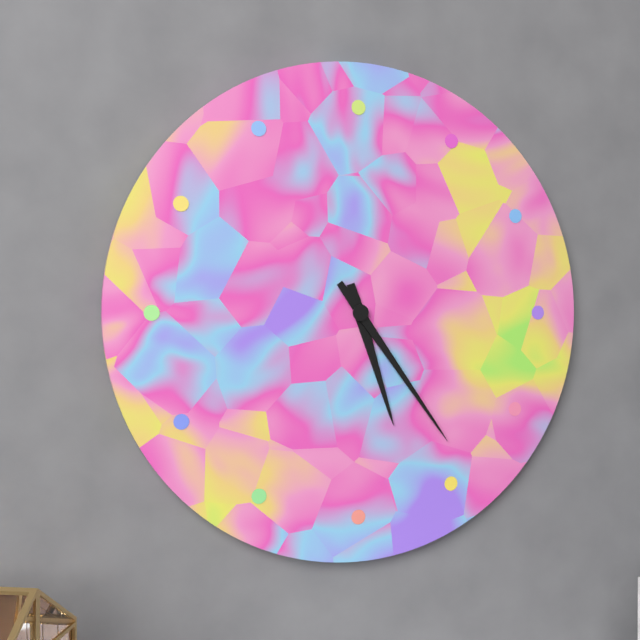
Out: 5:24
